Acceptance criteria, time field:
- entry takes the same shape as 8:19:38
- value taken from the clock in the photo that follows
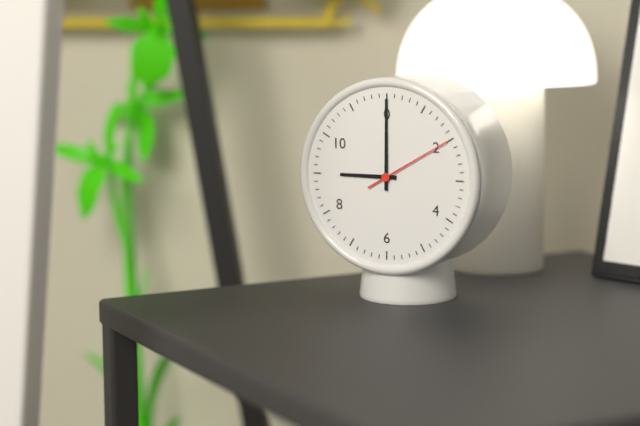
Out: 9:00:10
